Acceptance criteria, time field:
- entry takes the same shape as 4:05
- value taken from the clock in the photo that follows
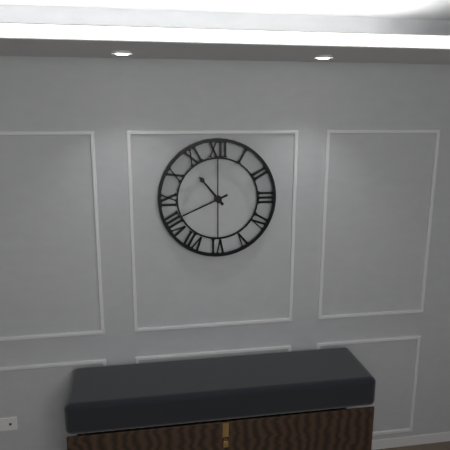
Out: 10:41
